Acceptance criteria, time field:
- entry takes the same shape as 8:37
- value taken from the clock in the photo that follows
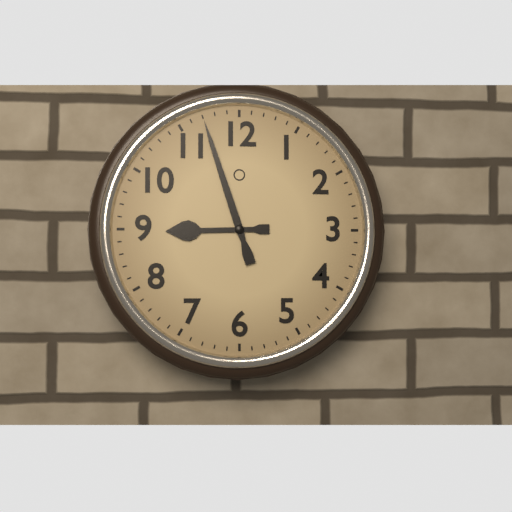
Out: 8:57
